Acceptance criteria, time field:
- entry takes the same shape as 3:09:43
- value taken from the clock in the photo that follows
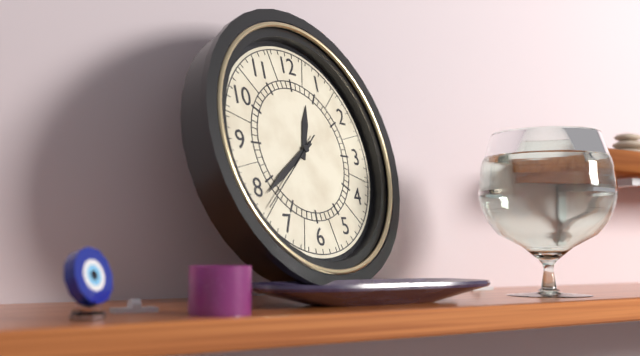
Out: 12:39:38
